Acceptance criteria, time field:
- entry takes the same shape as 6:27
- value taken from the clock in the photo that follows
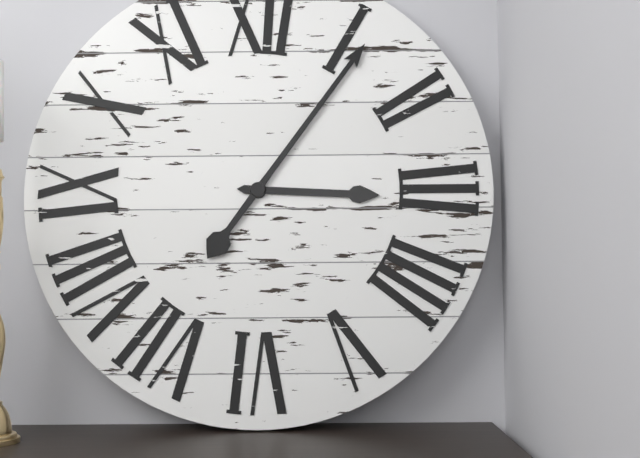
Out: 3:06
